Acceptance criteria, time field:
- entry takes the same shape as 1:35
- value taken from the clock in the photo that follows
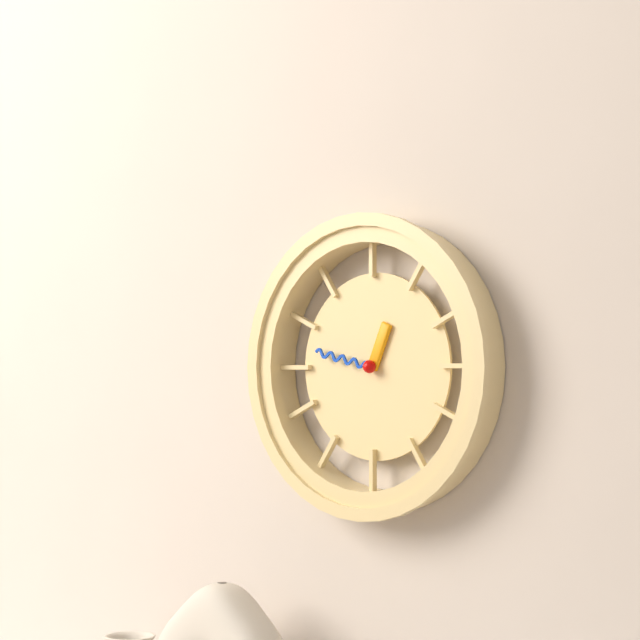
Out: 12:47
